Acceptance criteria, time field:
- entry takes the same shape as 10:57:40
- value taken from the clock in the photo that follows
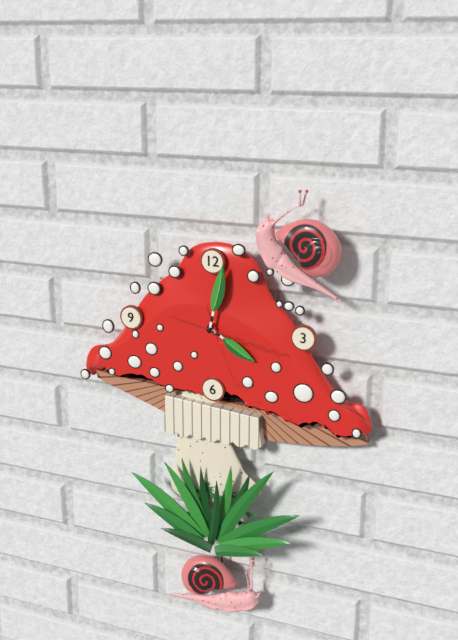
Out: 4:02:17
